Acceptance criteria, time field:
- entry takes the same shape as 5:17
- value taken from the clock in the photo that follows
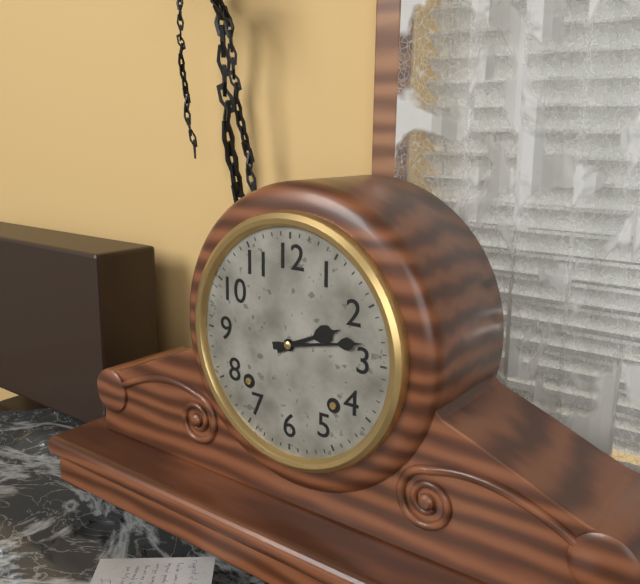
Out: 2:13
